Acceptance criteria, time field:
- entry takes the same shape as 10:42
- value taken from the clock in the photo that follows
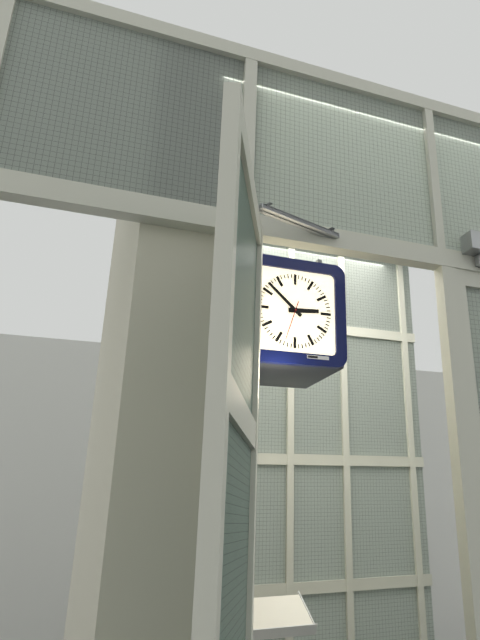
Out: 2:52
